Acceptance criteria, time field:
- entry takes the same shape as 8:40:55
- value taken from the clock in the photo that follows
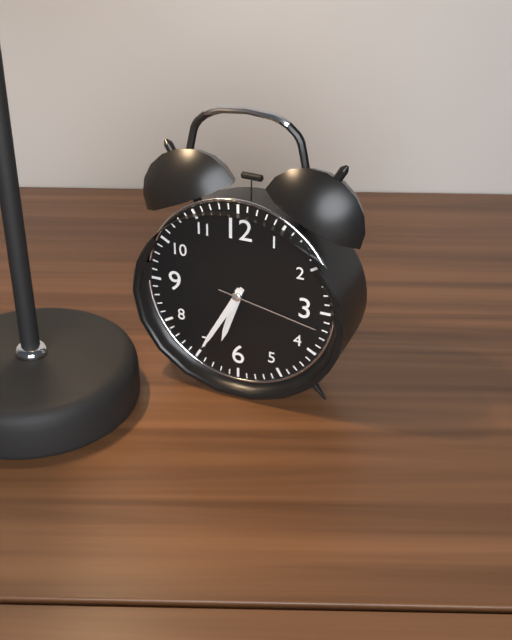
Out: 6:35:17
